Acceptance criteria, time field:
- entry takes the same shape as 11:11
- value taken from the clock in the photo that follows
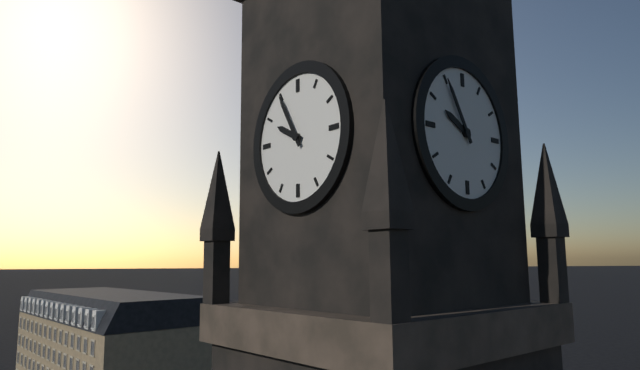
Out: 9:55
